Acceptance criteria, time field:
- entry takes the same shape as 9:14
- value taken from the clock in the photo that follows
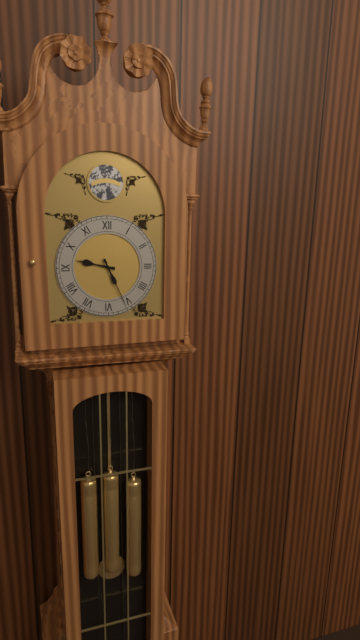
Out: 9:26
